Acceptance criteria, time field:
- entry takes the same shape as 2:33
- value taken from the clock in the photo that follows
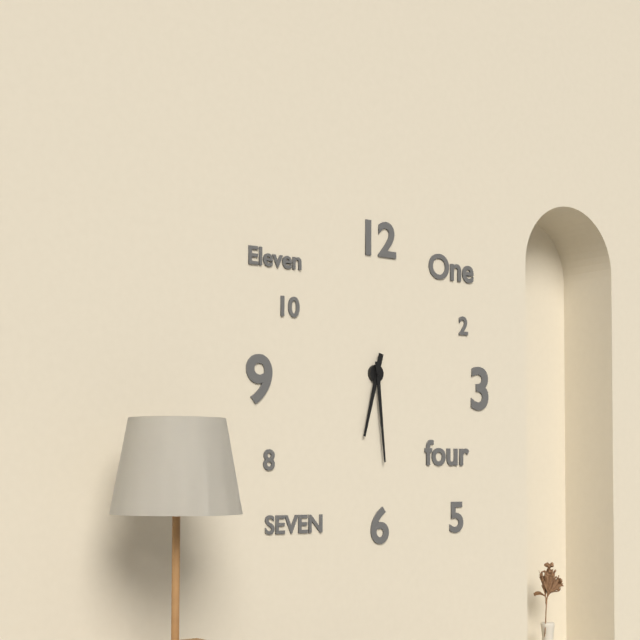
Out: 6:29
